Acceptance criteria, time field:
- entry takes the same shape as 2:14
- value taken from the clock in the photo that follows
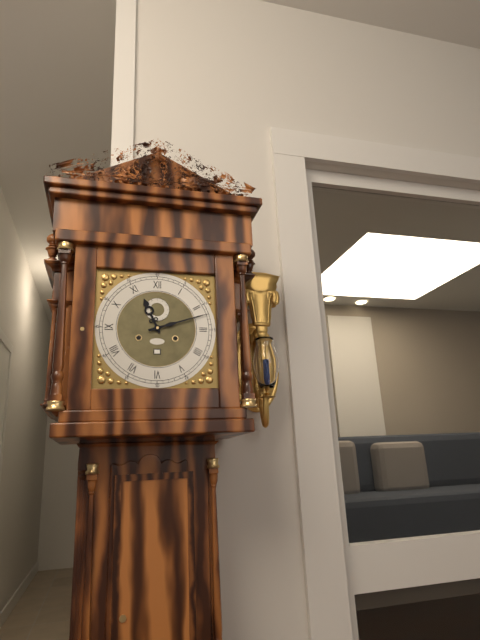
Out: 11:12
